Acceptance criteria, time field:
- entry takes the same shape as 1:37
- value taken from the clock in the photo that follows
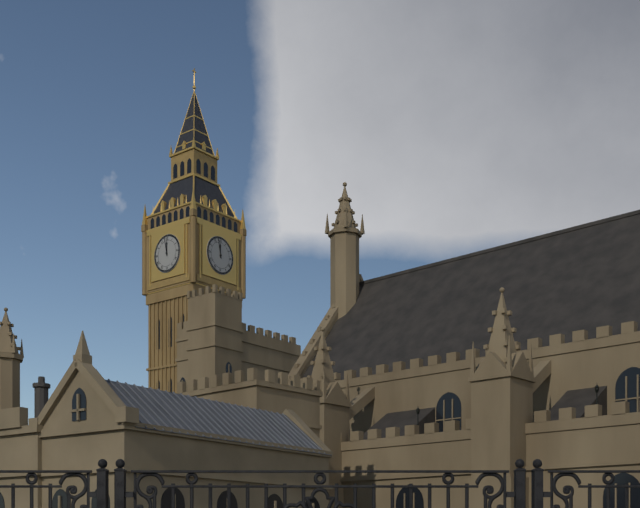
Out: 11:58
